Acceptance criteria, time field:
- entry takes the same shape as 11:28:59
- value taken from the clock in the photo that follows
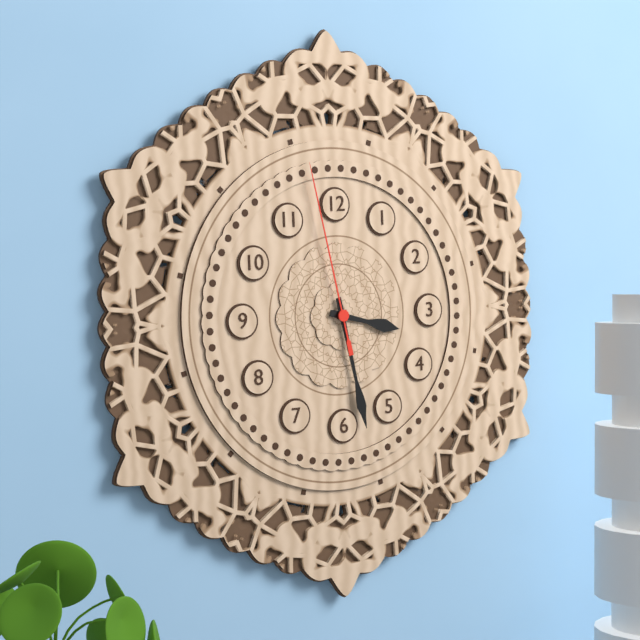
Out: 3:28:58
